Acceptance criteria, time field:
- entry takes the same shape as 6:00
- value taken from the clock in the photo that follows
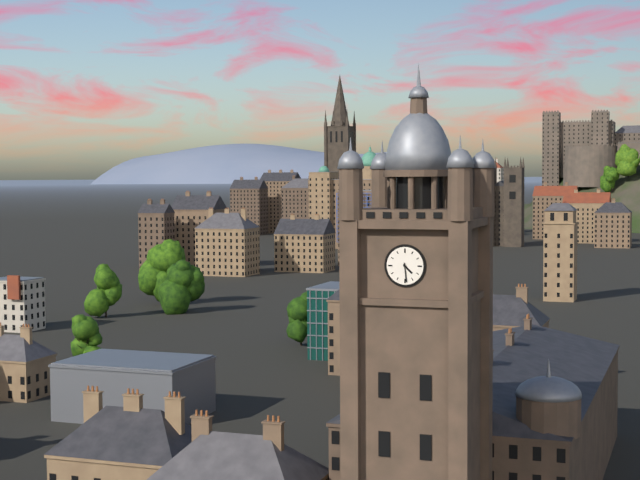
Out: 4:29
